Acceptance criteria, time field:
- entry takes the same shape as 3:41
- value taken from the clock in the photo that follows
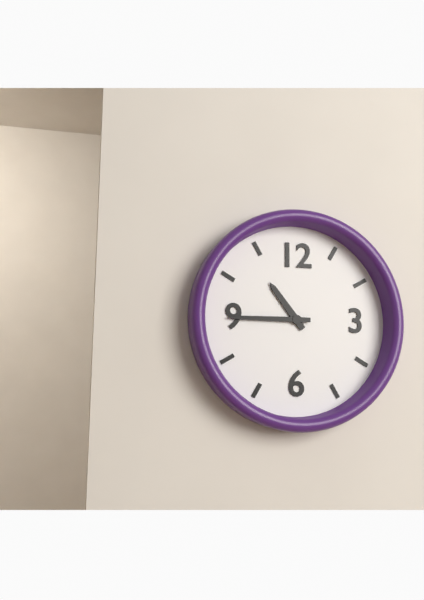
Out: 10:45
